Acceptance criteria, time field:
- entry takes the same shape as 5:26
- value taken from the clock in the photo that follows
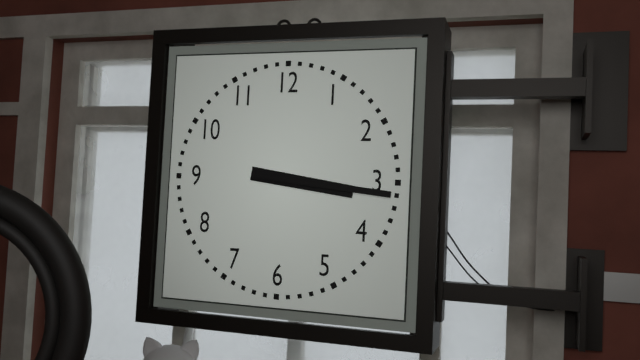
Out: 3:16
